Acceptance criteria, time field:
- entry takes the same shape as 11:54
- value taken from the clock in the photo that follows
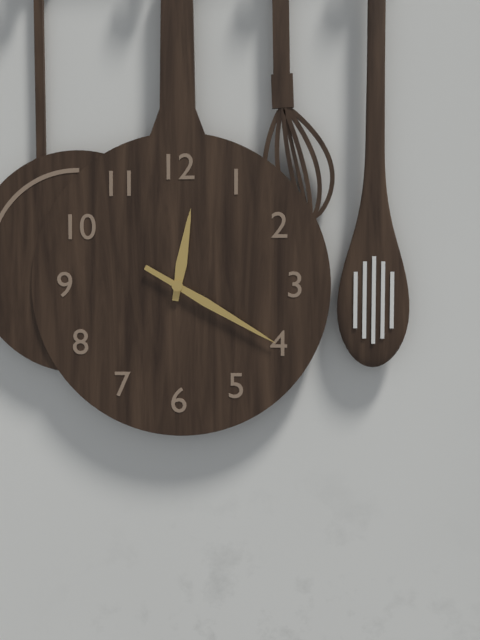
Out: 12:20
